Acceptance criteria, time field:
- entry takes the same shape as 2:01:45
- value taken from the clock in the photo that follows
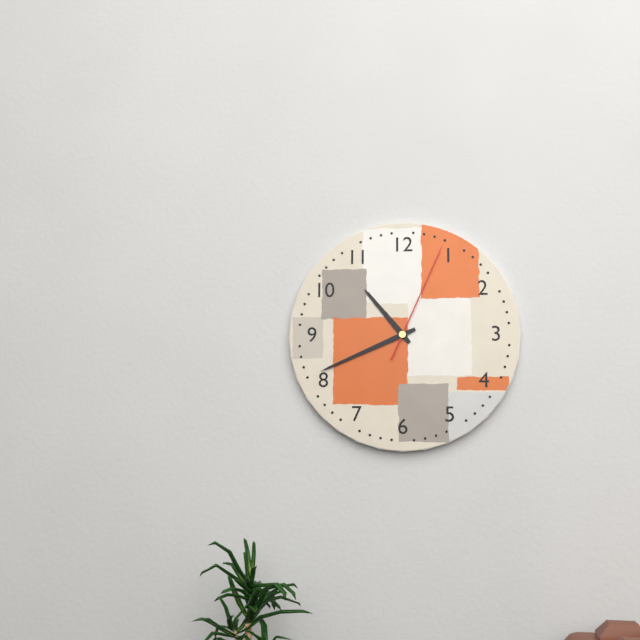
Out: 10:41:04
